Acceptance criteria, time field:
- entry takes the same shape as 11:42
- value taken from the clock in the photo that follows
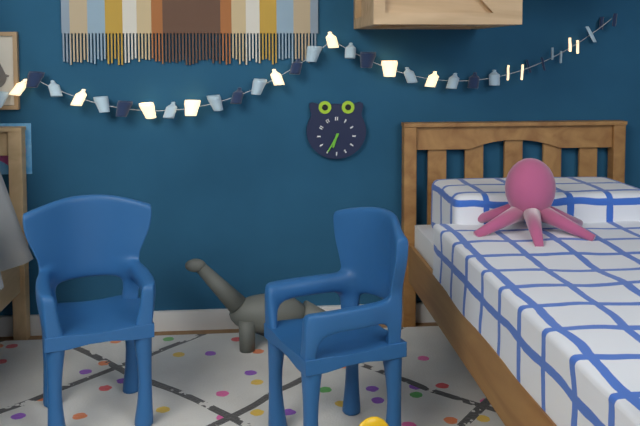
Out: 6:35
